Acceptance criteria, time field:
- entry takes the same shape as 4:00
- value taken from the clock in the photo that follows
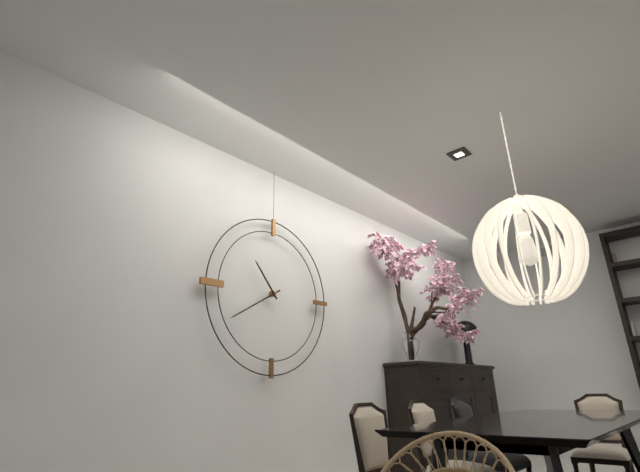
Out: 10:40
